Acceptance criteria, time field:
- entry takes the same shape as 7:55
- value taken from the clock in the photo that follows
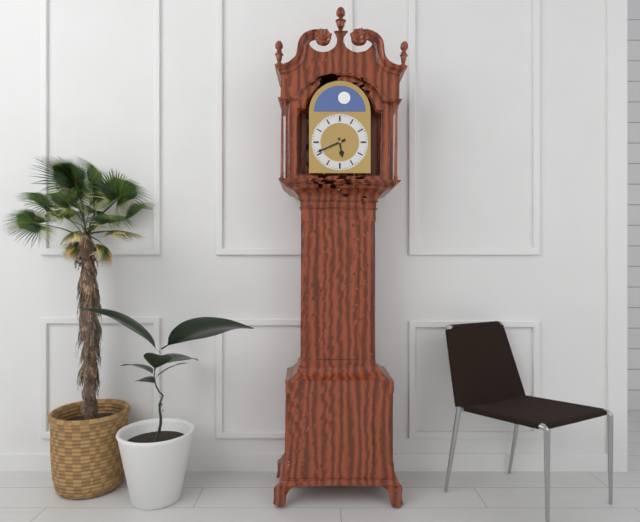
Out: 5:41
